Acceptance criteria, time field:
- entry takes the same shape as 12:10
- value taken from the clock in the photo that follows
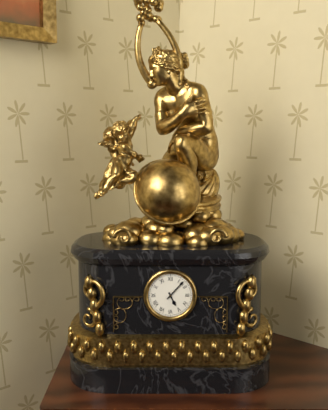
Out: 5:07
